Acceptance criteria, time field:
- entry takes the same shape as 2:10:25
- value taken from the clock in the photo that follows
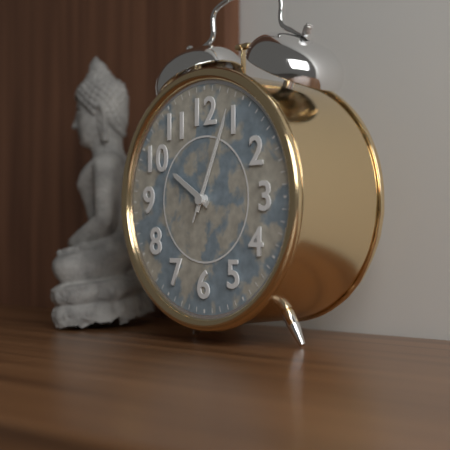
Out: 10:04:04
